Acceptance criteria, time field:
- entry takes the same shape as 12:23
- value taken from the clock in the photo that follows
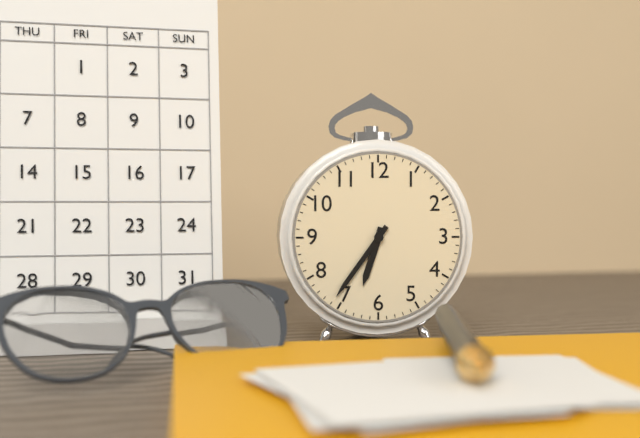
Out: 6:36
